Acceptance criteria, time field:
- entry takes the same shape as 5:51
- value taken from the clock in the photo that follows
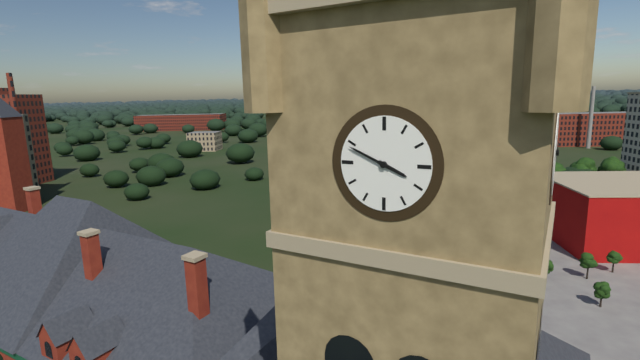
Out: 3:49
